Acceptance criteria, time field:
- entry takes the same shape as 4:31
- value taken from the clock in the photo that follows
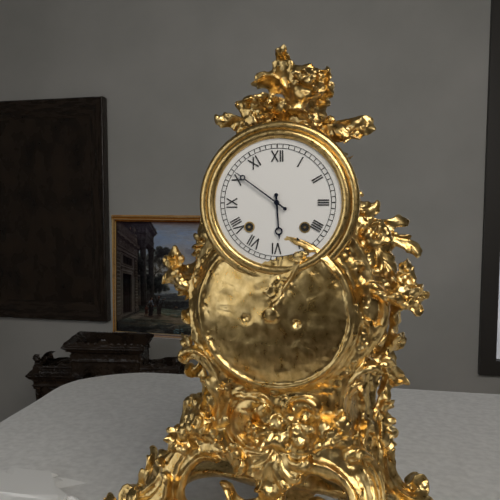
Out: 5:51
